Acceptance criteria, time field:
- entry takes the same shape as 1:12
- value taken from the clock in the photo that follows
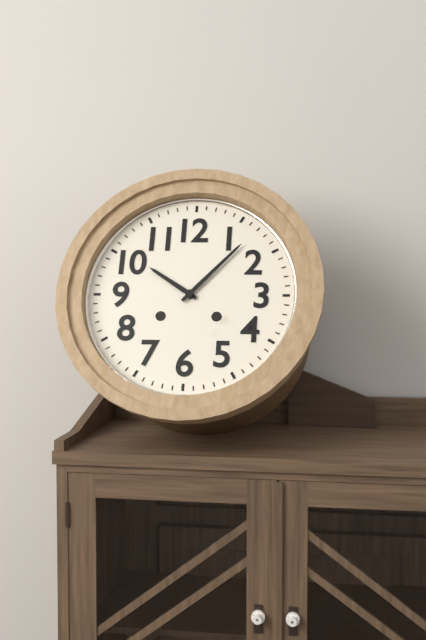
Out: 10:07
